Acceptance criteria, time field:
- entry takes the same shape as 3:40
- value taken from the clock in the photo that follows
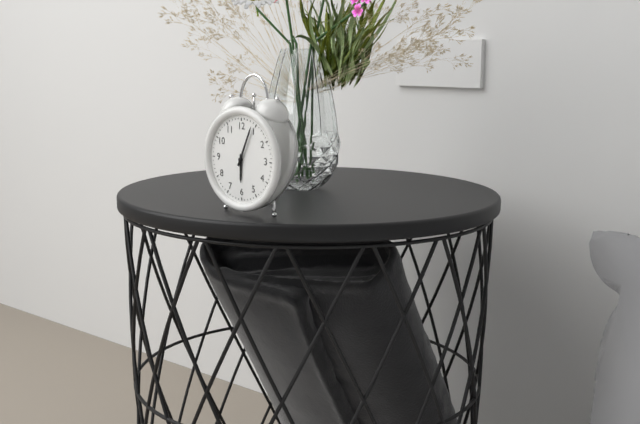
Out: 6:04
